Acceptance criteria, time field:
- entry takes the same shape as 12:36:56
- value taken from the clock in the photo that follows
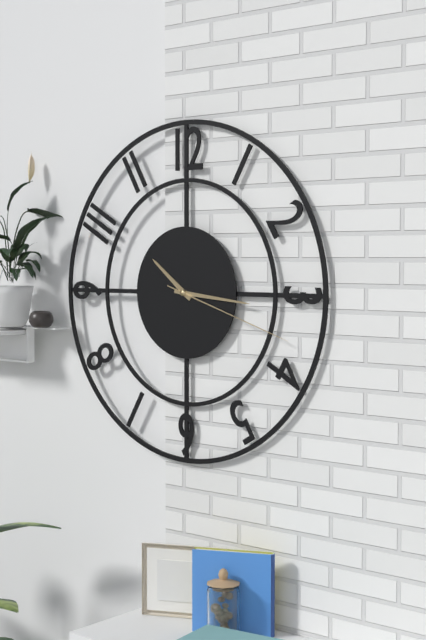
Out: 10:16:18
